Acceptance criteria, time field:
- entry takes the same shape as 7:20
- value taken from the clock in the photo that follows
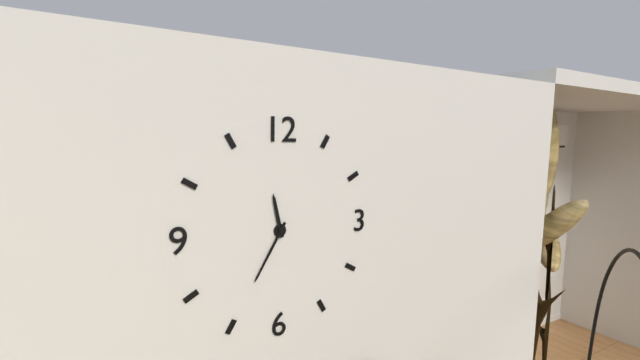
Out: 11:35
